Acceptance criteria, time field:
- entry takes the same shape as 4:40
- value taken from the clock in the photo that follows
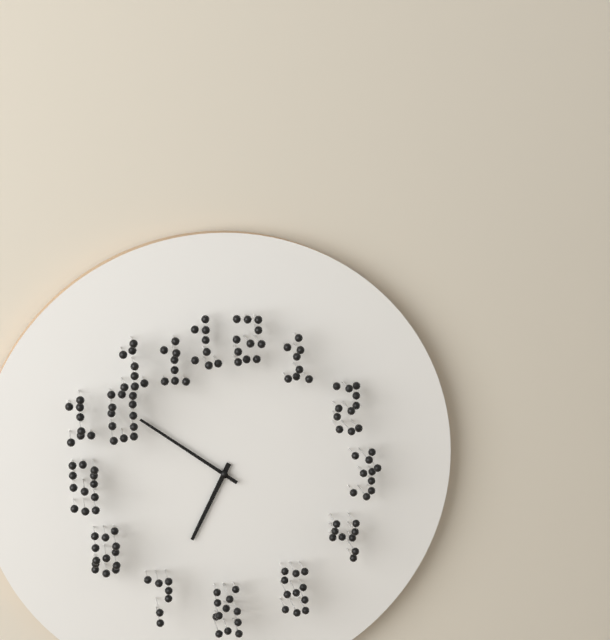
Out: 6:51
